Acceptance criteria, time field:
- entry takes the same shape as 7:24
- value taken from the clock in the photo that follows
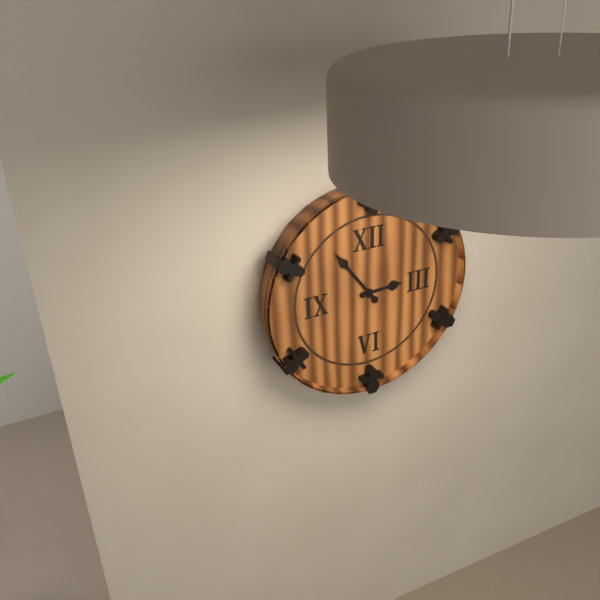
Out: 2:54
